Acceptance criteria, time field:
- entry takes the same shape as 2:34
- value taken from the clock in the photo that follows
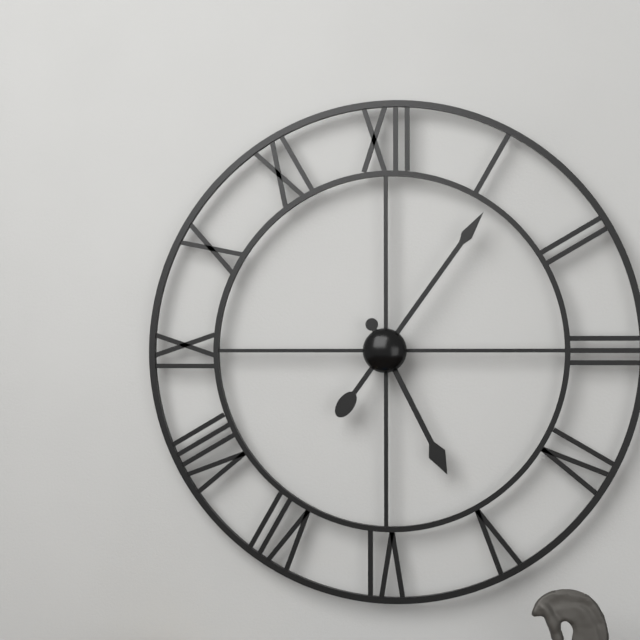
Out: 5:06
